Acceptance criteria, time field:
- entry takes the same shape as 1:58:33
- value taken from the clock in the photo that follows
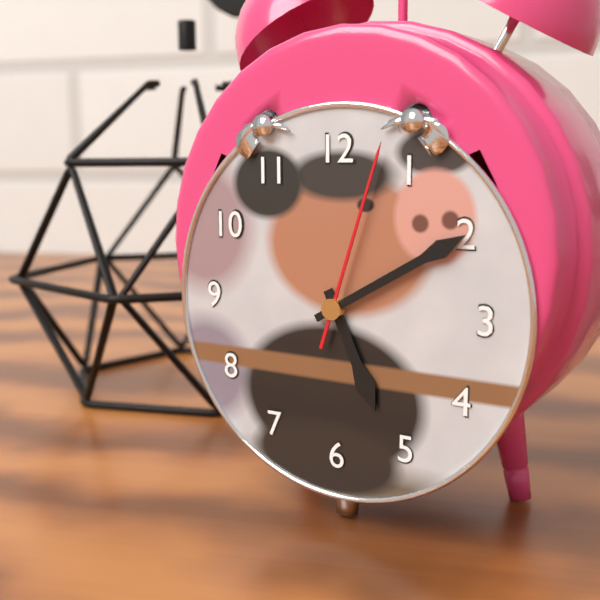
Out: 5:10:03
